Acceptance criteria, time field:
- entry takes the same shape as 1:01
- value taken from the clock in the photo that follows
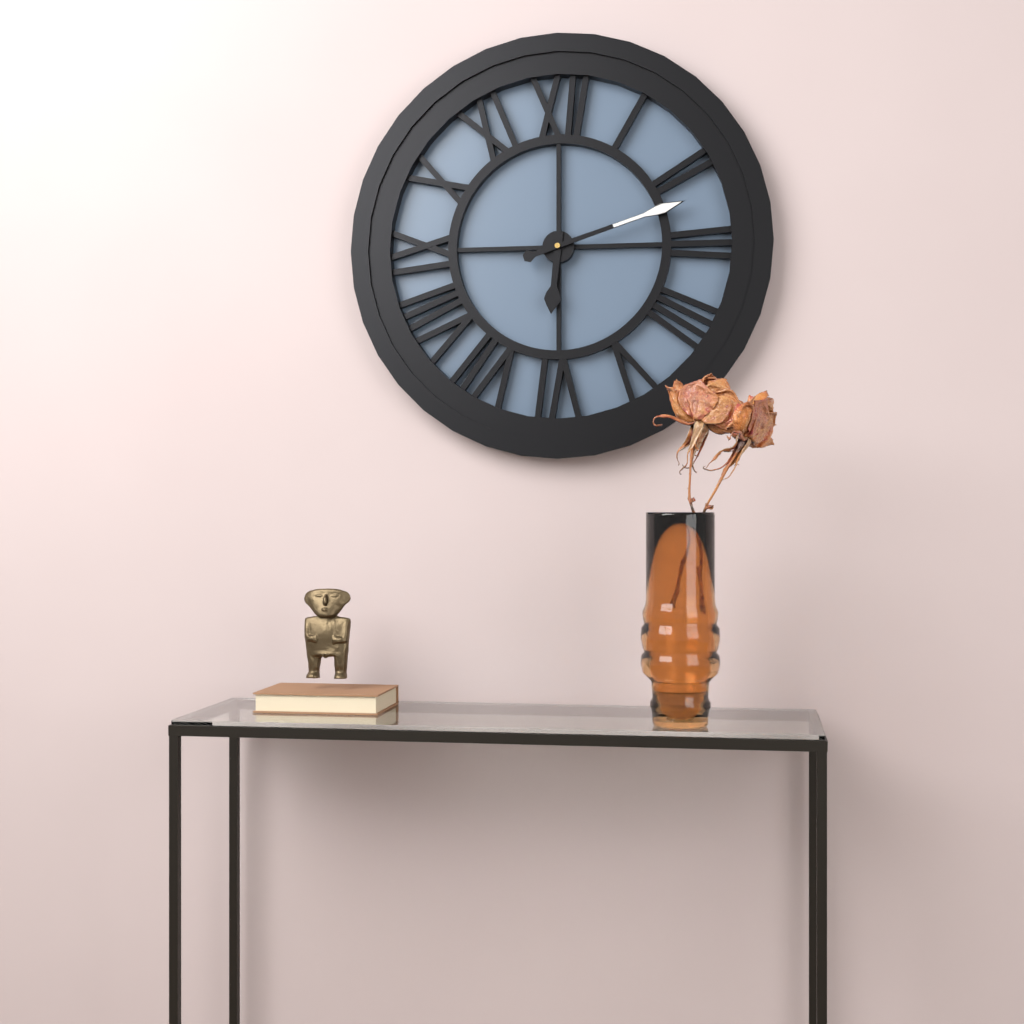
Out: 6:12
